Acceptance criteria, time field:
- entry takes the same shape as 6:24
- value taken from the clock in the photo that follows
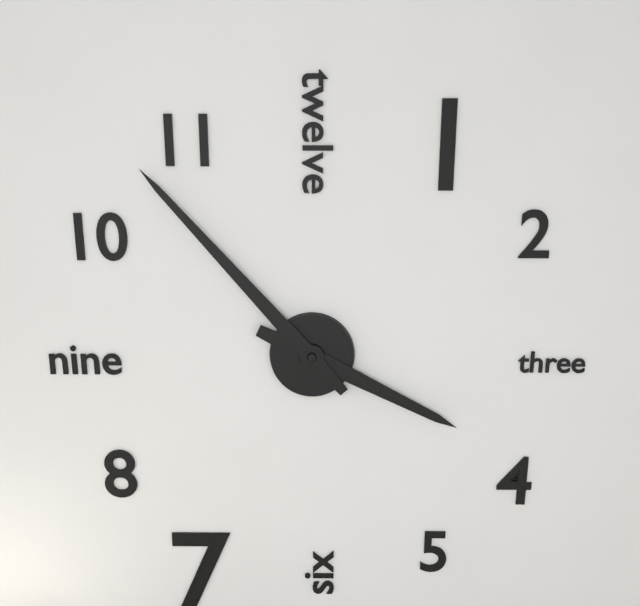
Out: 3:53
